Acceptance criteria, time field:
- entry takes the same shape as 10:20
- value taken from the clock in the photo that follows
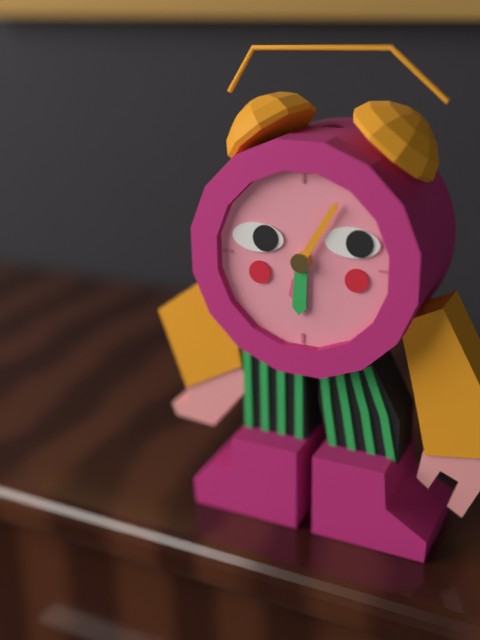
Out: 6:05
